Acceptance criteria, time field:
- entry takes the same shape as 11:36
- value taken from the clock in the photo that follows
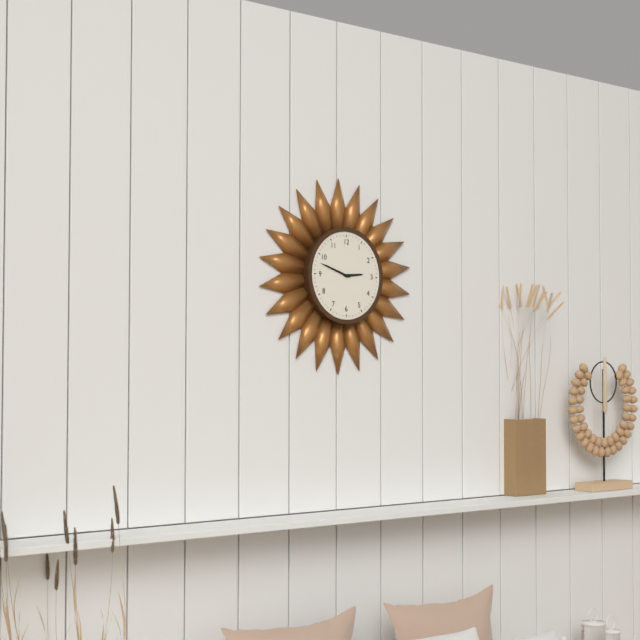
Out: 2:48
